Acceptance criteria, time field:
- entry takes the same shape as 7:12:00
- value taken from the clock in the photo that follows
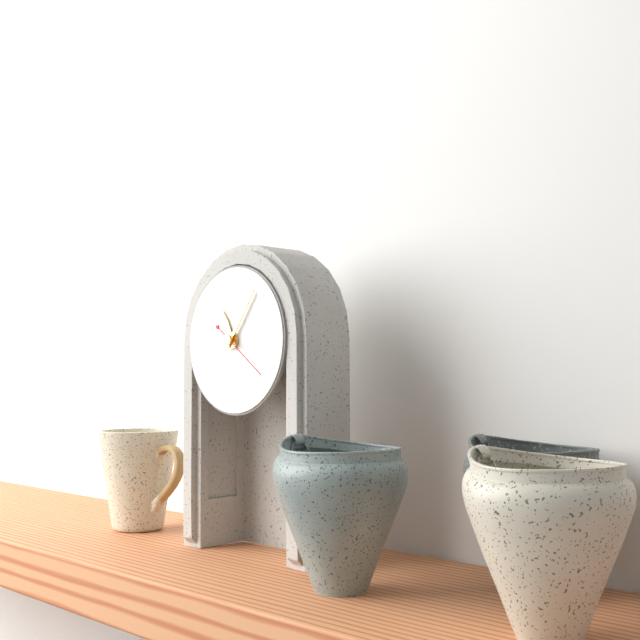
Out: 11:06:21
